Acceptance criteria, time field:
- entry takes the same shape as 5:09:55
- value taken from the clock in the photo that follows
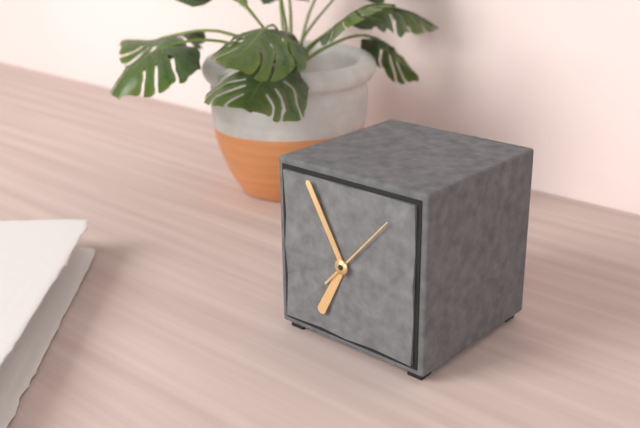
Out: 6:55:07
